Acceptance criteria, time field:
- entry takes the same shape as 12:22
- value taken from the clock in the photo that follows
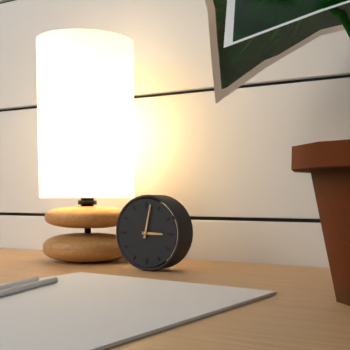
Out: 3:02
